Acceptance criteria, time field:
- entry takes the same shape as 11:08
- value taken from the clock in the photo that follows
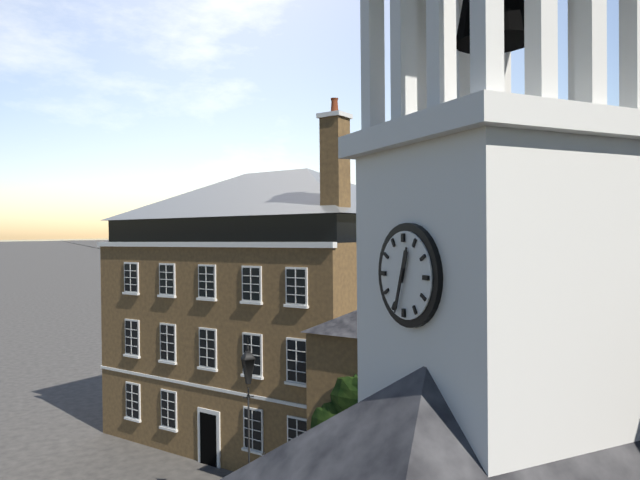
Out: 12:33
